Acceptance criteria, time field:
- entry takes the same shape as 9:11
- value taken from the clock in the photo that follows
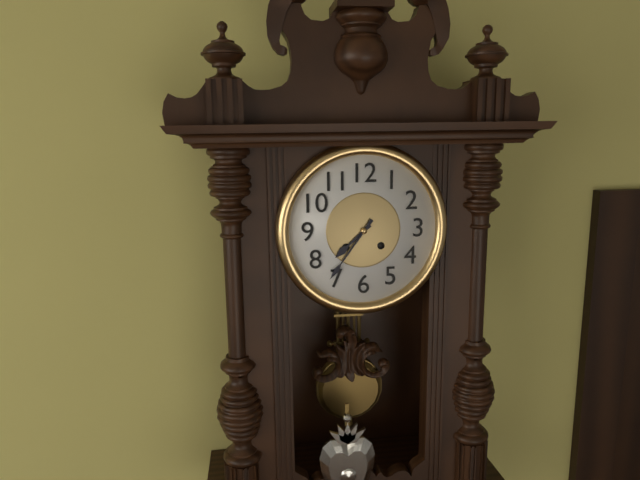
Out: 7:36
